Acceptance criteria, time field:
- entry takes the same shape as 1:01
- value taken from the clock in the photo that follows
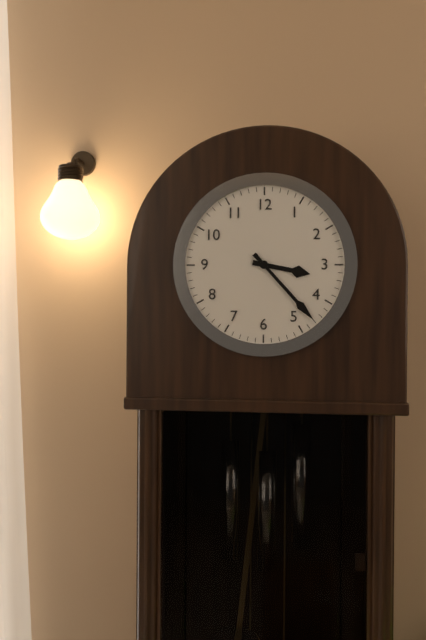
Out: 3:23
